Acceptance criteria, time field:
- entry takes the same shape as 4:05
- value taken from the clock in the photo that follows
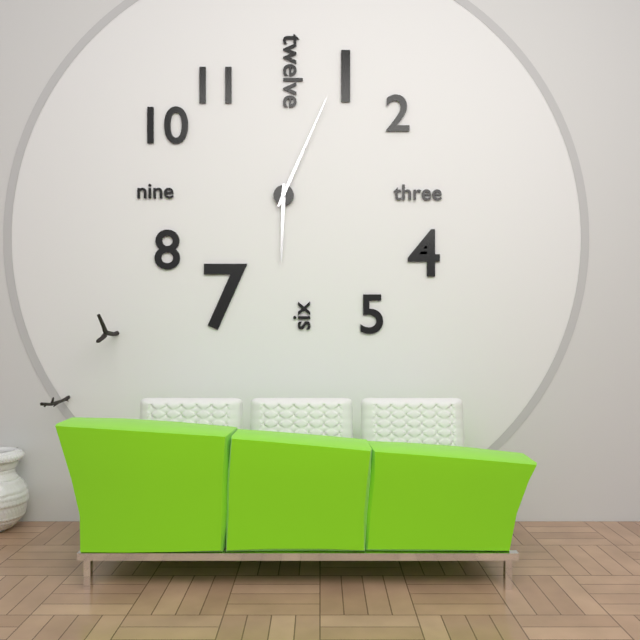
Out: 6:04
